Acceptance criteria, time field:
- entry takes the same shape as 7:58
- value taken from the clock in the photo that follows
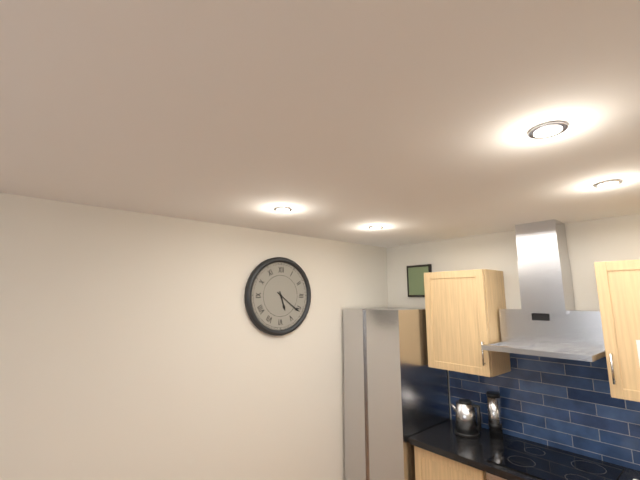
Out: 5:21
